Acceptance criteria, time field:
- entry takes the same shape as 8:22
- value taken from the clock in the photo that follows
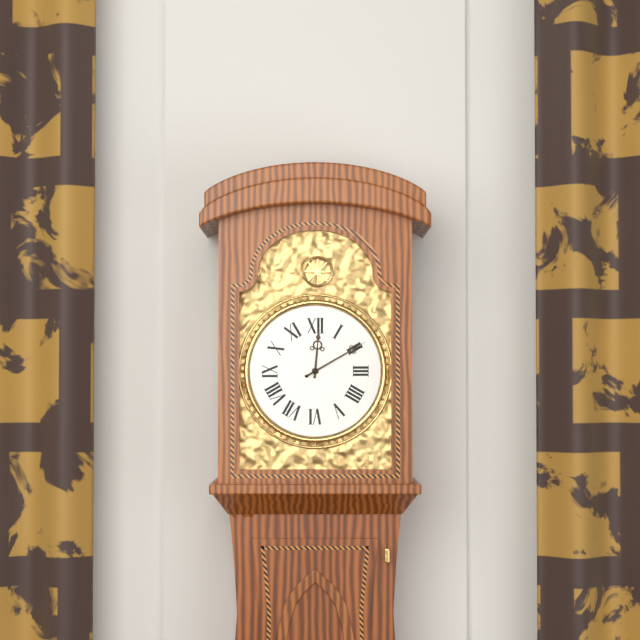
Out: 12:10
